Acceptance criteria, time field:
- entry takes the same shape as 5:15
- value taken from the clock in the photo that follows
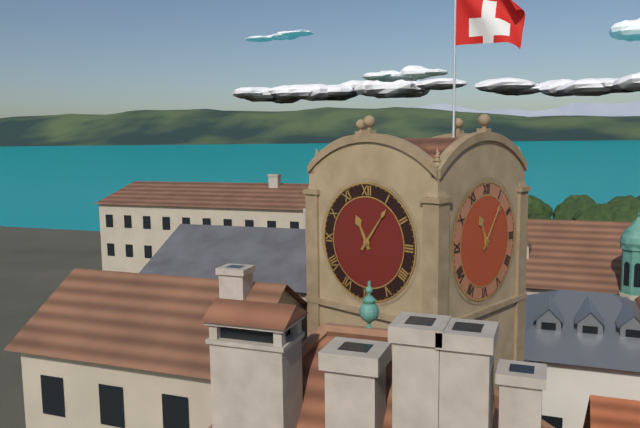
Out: 11:06
